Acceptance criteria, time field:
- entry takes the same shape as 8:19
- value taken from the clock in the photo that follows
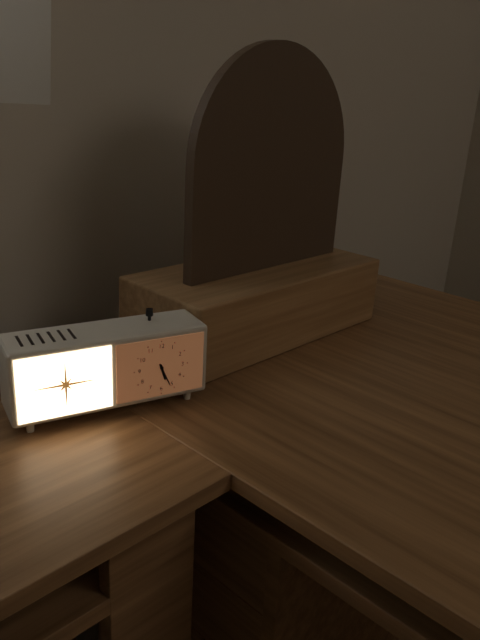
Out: 5:26
